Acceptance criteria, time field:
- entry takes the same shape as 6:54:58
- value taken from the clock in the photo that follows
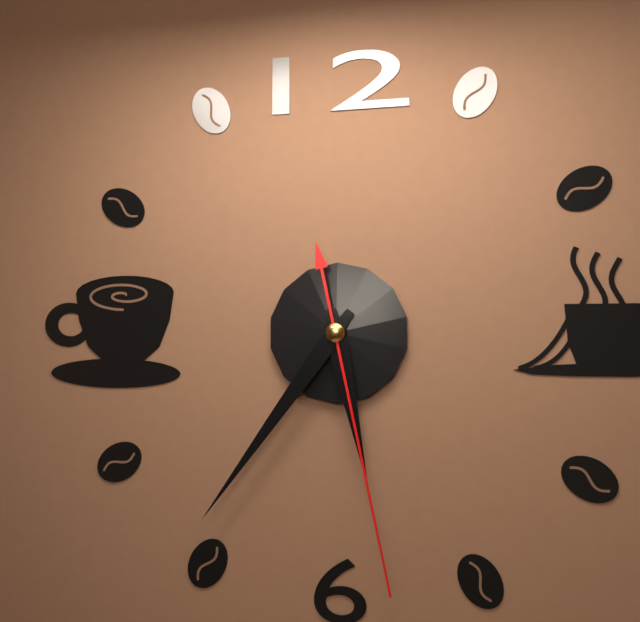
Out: 5:36:28
